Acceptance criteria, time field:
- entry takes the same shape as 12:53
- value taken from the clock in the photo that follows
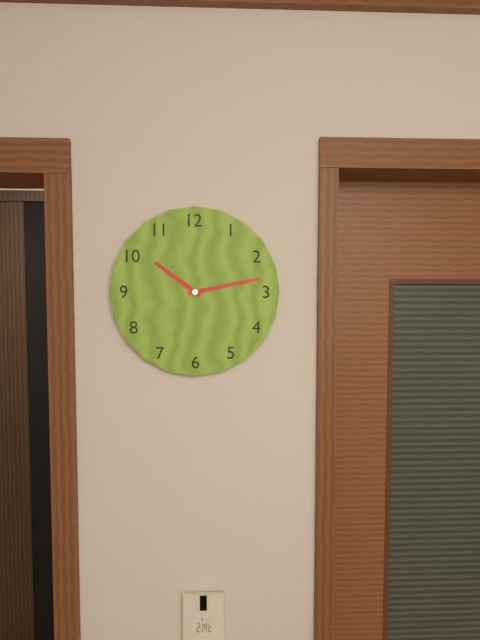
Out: 10:13
